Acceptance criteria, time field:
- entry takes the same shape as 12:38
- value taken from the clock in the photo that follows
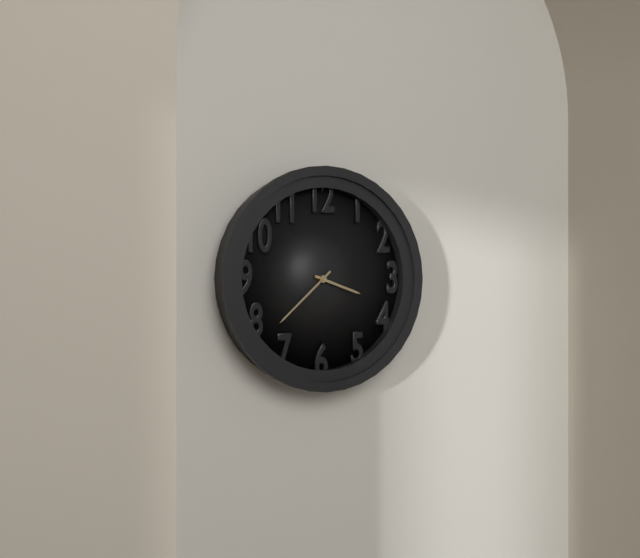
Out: 3:38
